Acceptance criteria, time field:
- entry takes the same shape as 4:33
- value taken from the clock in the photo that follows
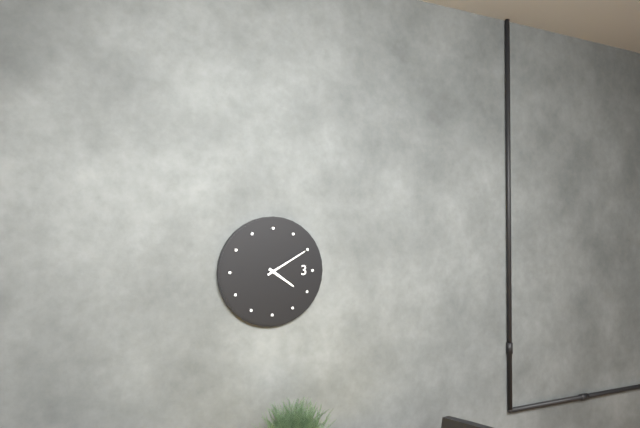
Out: 4:10
